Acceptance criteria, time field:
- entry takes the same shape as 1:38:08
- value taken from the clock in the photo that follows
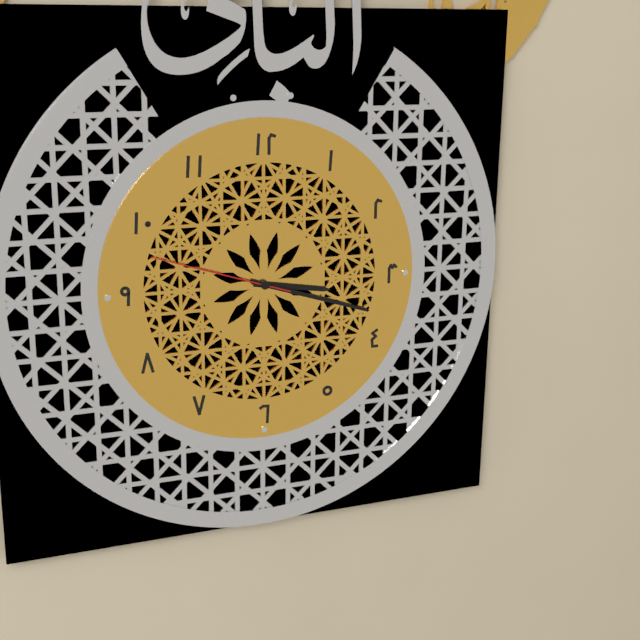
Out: 3:18:48
